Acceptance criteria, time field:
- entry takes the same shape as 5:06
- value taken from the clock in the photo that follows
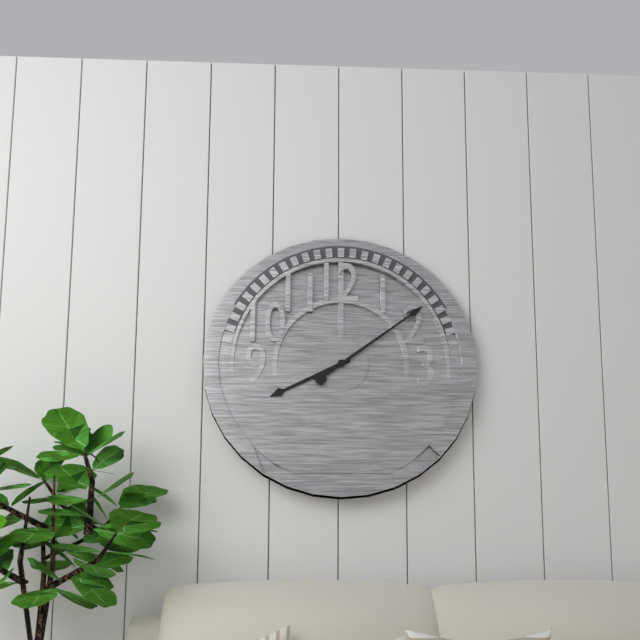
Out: 8:09
